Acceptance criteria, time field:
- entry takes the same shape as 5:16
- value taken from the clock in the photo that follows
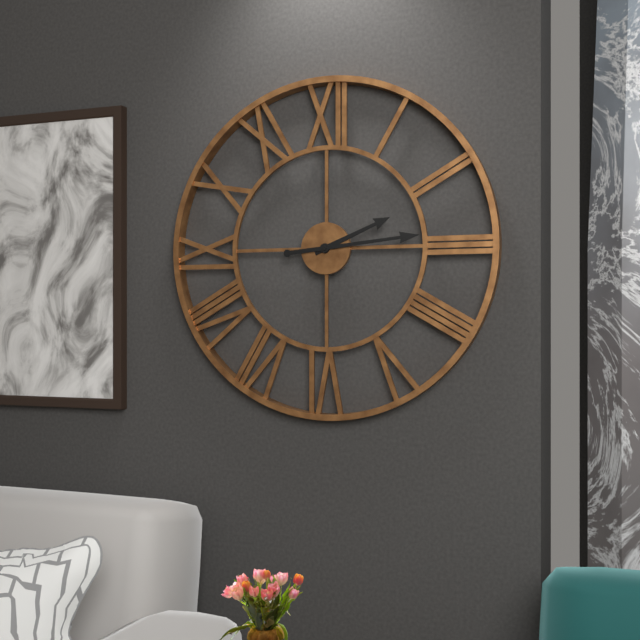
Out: 2:14
